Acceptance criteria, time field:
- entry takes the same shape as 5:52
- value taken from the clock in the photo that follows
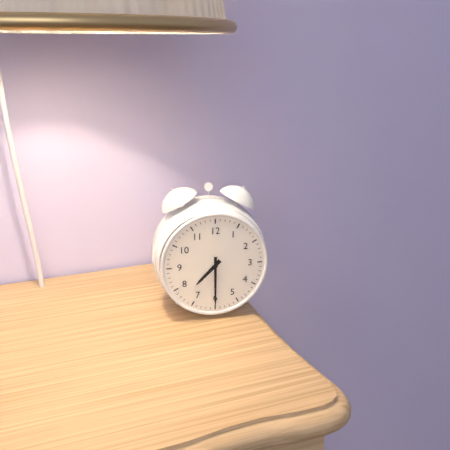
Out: 7:30
